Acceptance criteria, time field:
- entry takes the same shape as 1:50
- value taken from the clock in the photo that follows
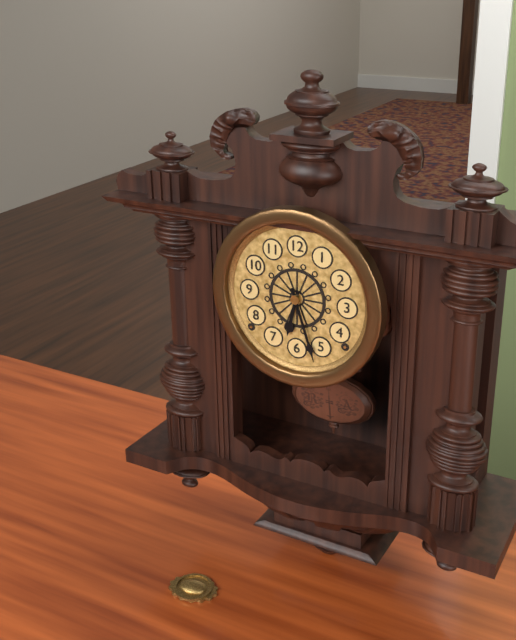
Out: 6:27
